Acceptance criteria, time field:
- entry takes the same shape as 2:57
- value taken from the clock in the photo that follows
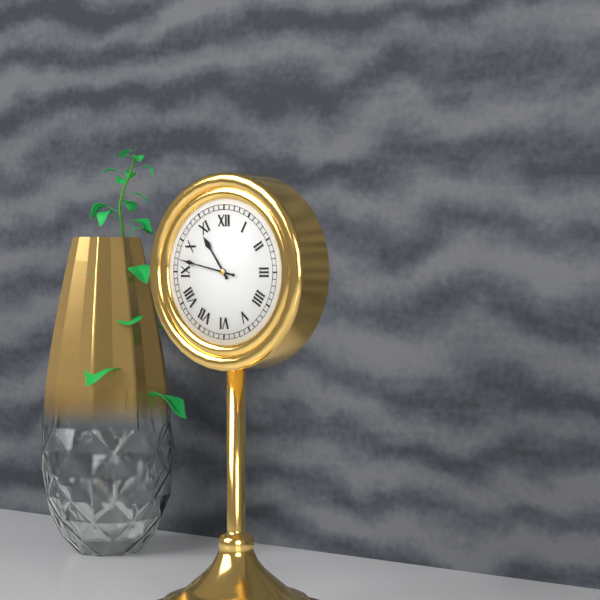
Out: 10:47
